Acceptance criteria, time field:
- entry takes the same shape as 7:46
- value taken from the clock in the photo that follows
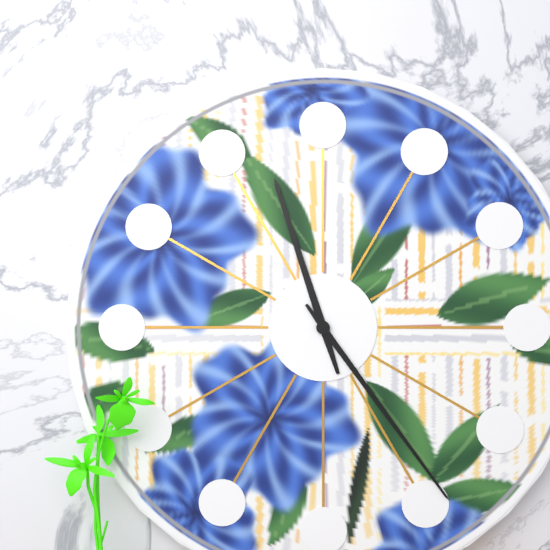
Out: 11:24
